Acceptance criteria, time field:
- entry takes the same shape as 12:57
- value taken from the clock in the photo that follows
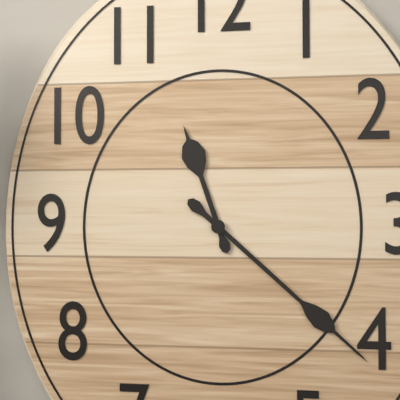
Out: 11:22
